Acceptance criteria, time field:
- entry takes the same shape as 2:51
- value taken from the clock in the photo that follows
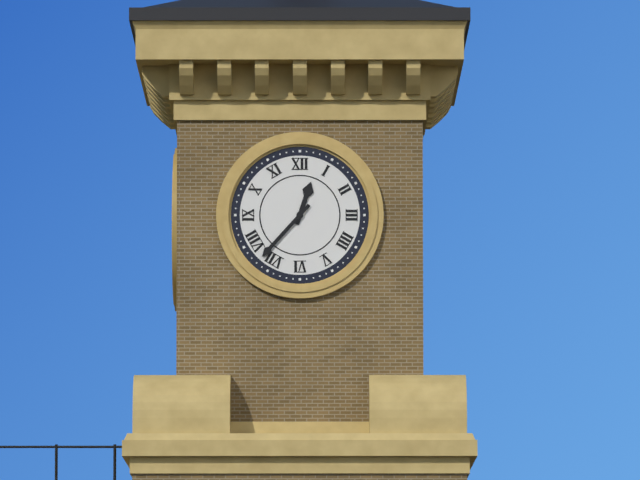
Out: 12:37
